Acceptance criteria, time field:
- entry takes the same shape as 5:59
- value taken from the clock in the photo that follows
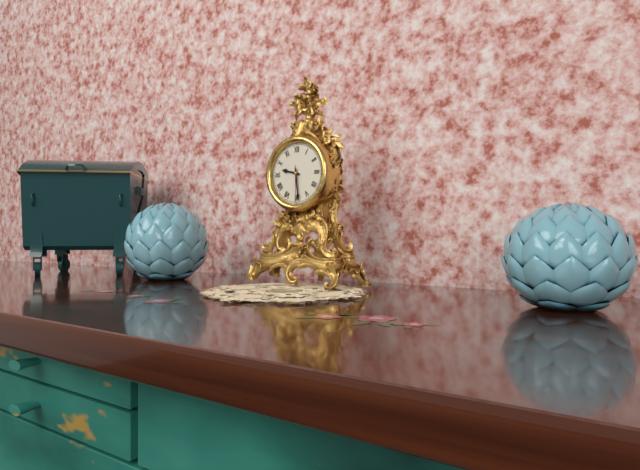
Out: 9:29
